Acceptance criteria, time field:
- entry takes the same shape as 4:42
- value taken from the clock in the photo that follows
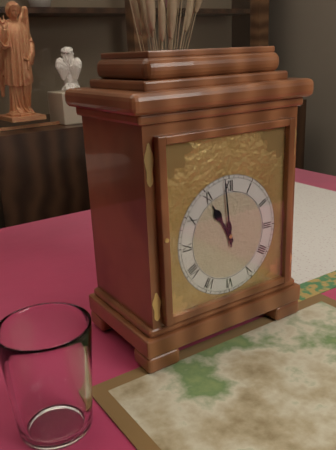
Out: 10:59
